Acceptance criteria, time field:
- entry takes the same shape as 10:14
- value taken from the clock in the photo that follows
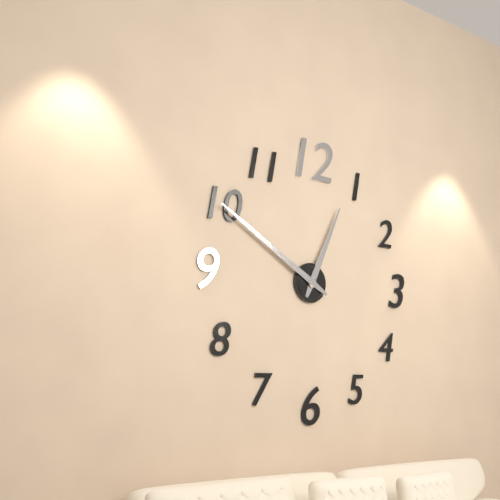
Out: 12:50
